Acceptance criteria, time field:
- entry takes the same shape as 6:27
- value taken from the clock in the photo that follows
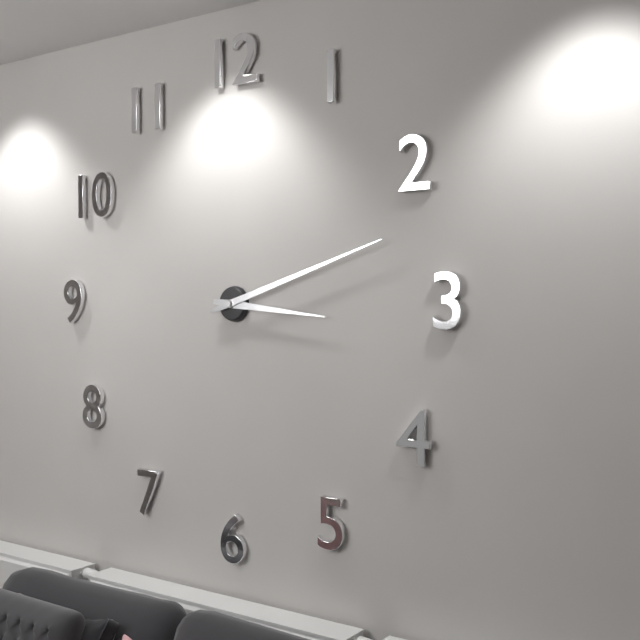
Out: 3:12
